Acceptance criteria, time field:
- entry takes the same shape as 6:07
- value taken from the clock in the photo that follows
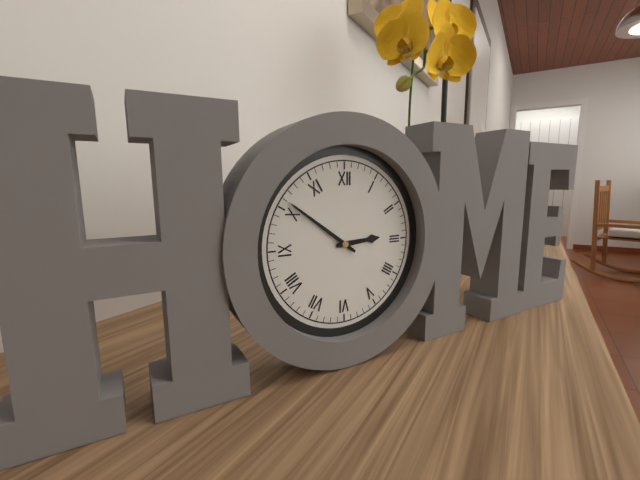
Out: 2:51
